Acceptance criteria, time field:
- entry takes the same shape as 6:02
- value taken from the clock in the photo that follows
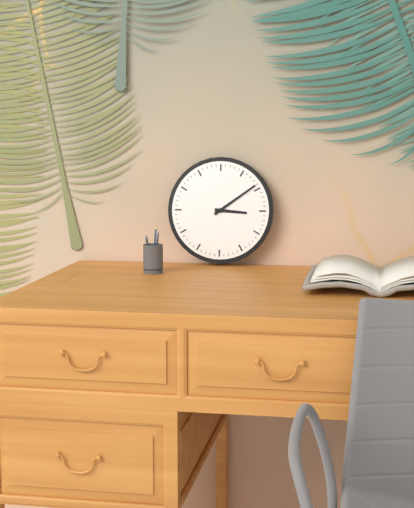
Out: 3:09
